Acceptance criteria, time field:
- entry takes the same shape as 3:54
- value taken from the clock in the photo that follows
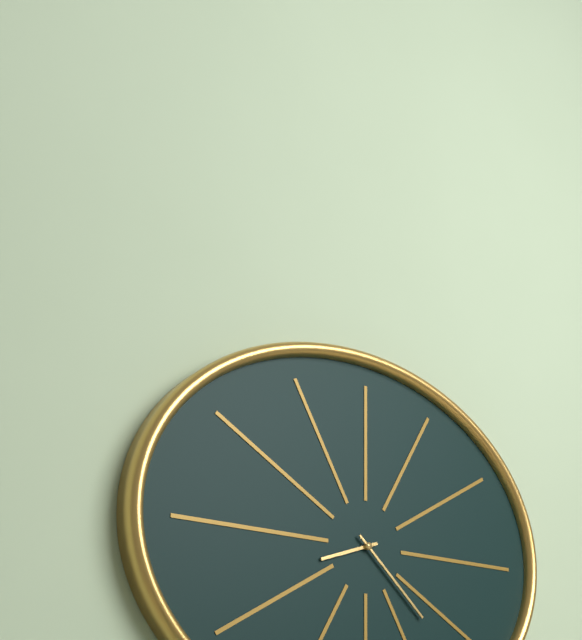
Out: 8:22
